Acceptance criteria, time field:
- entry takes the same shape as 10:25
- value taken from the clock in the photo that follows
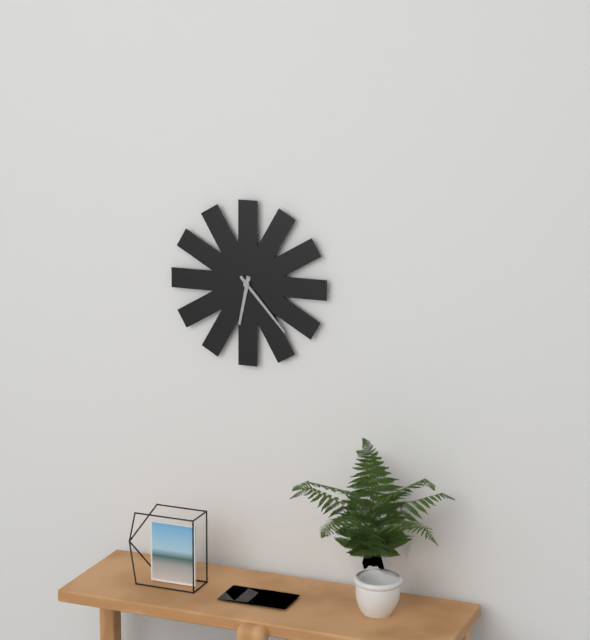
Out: 6:23
